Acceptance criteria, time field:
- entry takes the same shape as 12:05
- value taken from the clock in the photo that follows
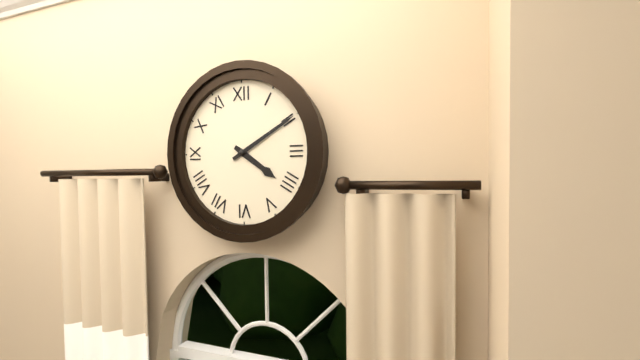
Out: 4:10
